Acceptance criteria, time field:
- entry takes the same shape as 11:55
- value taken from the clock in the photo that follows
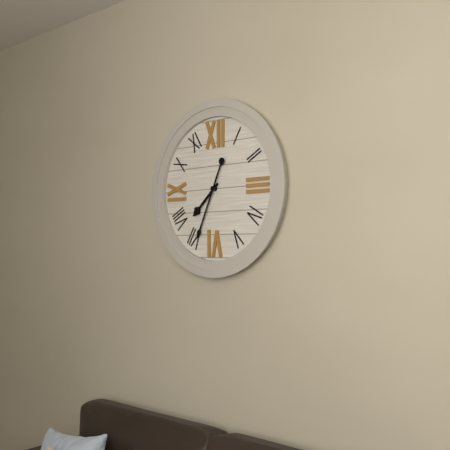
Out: 7:34
